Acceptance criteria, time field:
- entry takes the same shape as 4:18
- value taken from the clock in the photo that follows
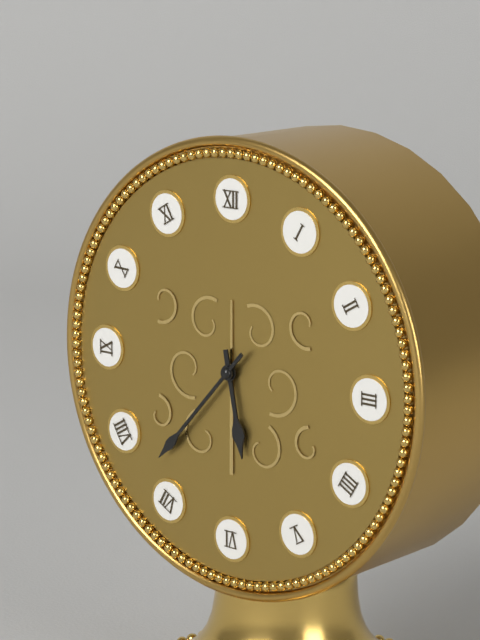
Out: 5:37
